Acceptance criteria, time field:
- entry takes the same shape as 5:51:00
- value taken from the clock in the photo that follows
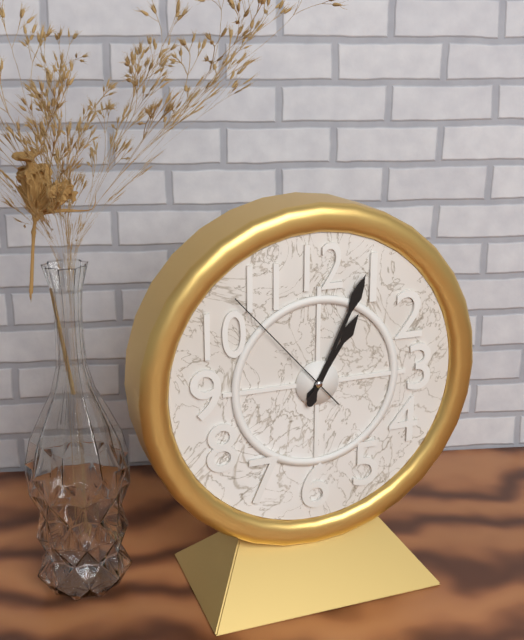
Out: 1:04:53
